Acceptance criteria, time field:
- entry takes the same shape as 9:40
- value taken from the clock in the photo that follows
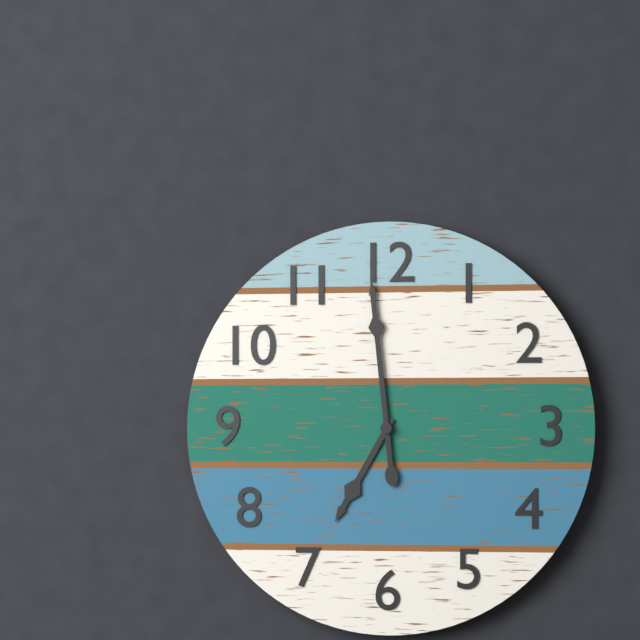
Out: 6:59
